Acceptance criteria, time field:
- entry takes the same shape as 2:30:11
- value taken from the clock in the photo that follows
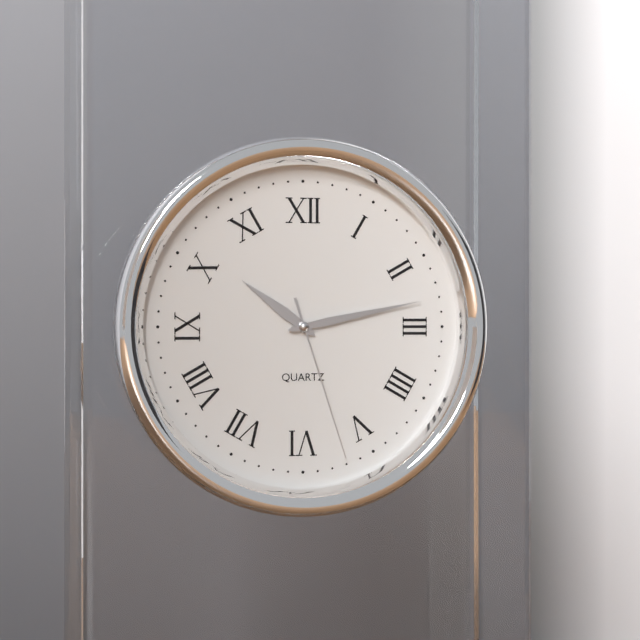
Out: 10:13:27
